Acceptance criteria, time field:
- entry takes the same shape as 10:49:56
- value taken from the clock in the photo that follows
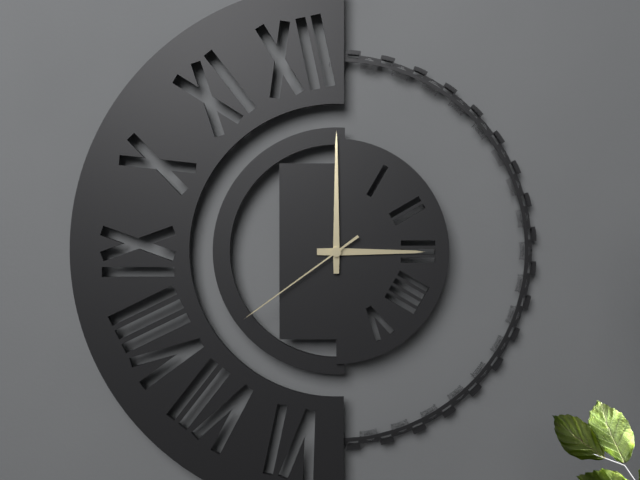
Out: 3:00:39
